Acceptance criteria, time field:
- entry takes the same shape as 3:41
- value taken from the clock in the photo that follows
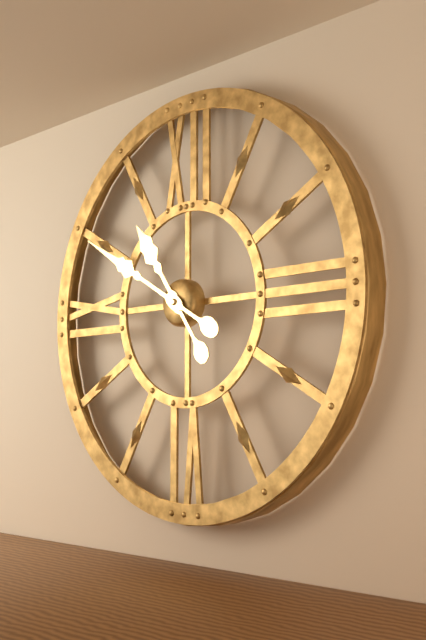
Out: 10:50
